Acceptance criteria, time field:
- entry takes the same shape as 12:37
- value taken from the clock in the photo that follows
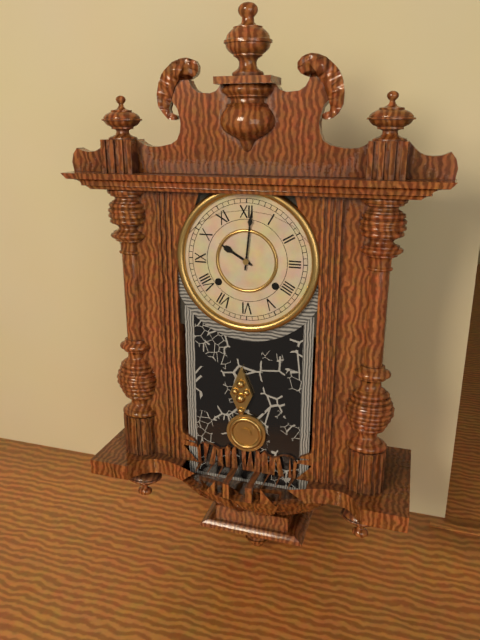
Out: 10:01
